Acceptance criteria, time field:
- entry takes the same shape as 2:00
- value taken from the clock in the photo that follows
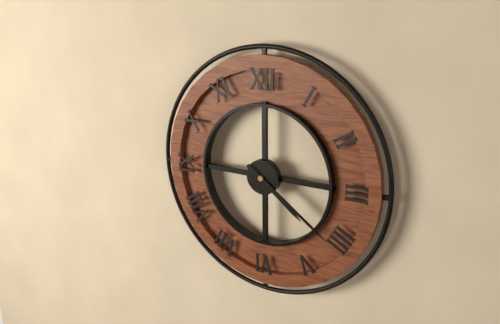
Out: 4:21
